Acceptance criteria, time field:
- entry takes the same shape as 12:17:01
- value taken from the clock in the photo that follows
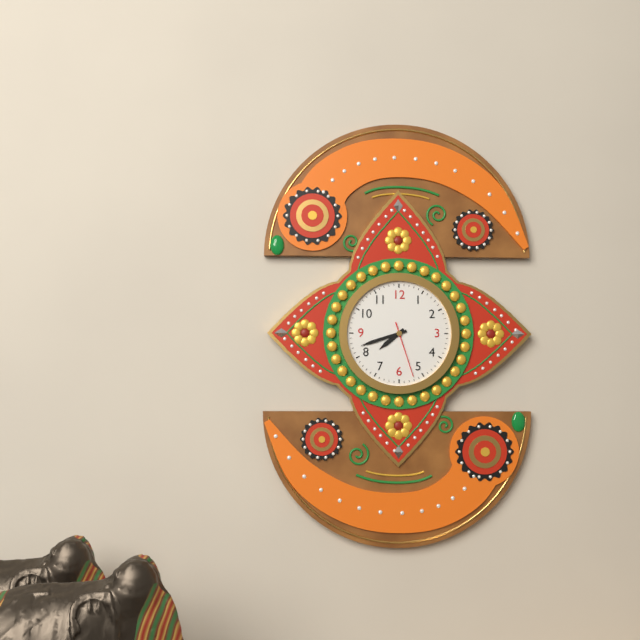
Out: 7:42:27
